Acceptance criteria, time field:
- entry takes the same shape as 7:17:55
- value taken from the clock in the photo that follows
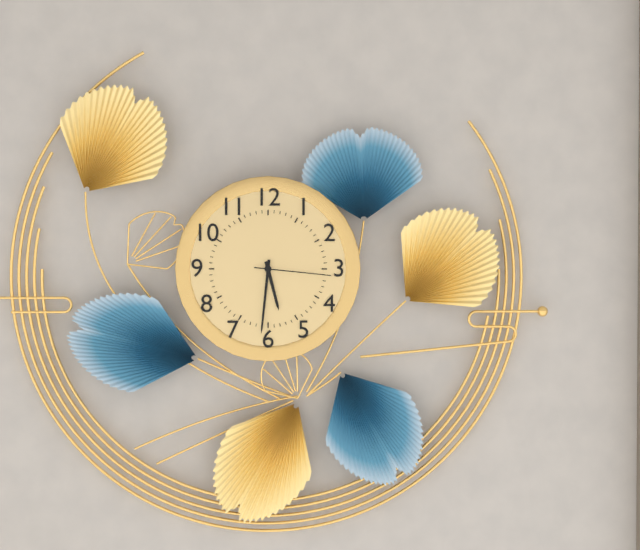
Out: 5:31:16
